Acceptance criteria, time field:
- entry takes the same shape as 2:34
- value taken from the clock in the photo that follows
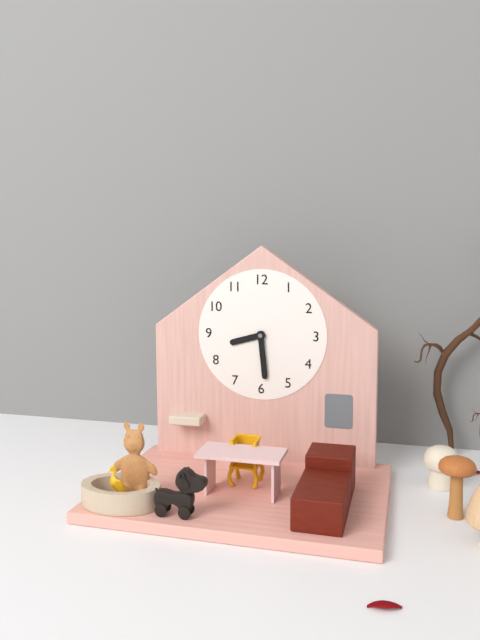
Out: 8:29
